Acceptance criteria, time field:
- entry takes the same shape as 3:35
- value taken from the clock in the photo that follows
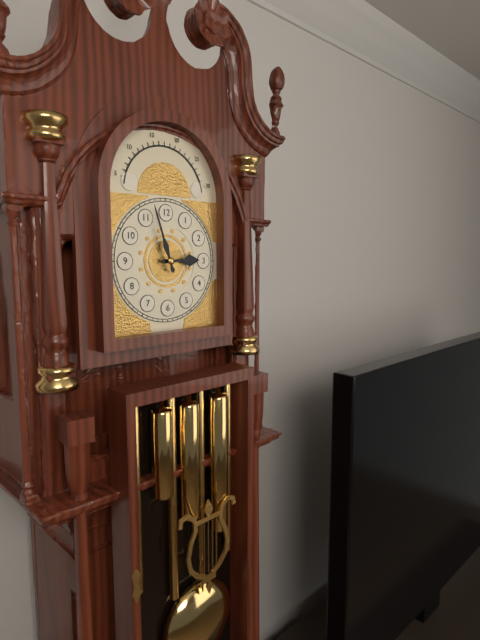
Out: 2:57
